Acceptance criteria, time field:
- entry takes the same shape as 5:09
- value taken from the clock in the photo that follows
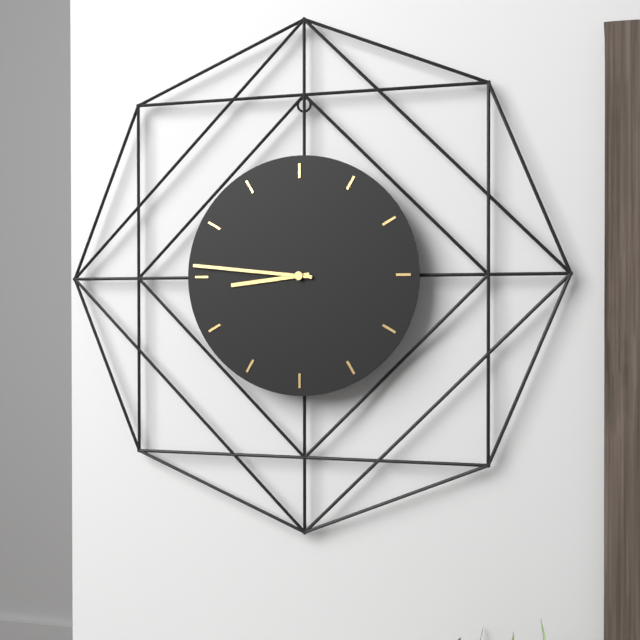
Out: 8:46
